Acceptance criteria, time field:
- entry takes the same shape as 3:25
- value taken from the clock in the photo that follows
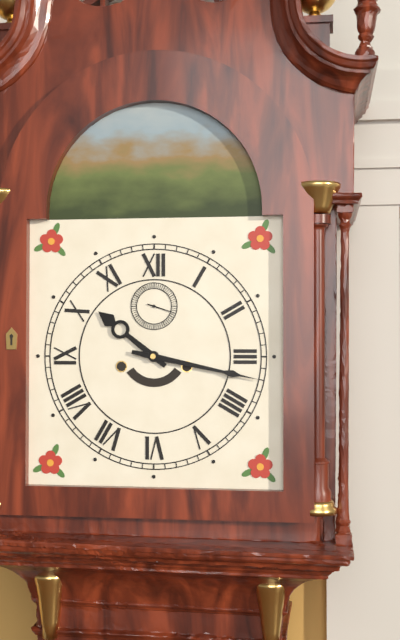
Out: 10:17
